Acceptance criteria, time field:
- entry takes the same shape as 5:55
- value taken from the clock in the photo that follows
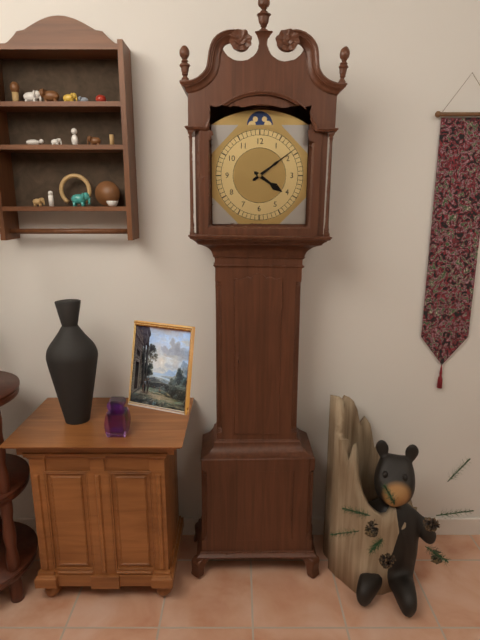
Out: 4:09
